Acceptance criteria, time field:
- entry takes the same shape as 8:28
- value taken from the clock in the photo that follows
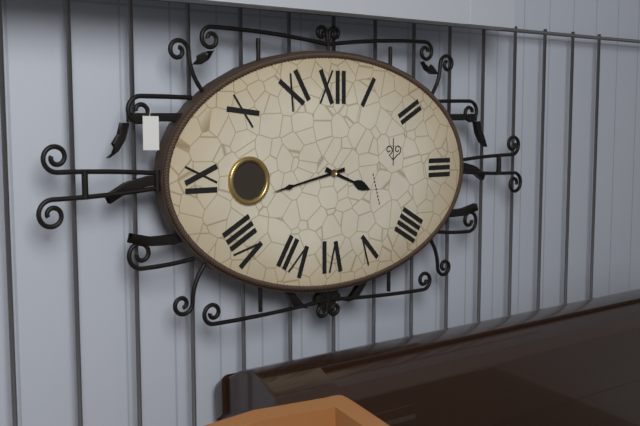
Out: 3:43
